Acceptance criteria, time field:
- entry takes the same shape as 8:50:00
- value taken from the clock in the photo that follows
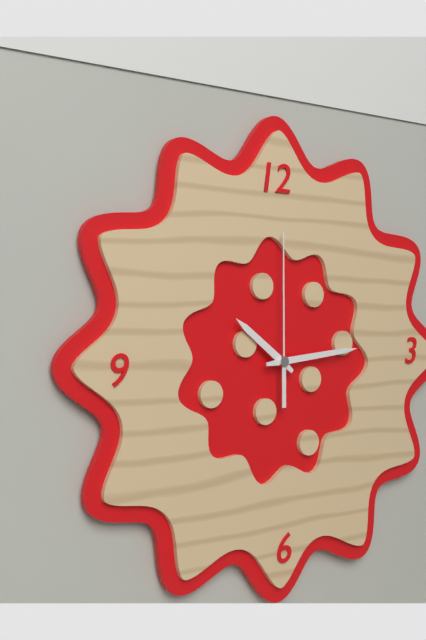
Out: 10:14:00
